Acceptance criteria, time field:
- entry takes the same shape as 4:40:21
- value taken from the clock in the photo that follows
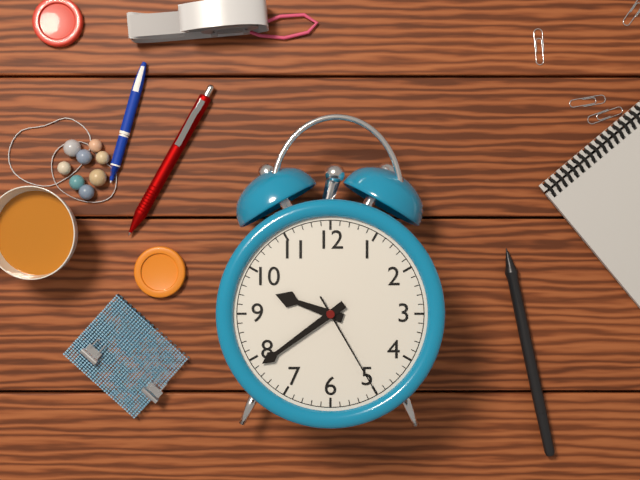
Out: 9:39:25
